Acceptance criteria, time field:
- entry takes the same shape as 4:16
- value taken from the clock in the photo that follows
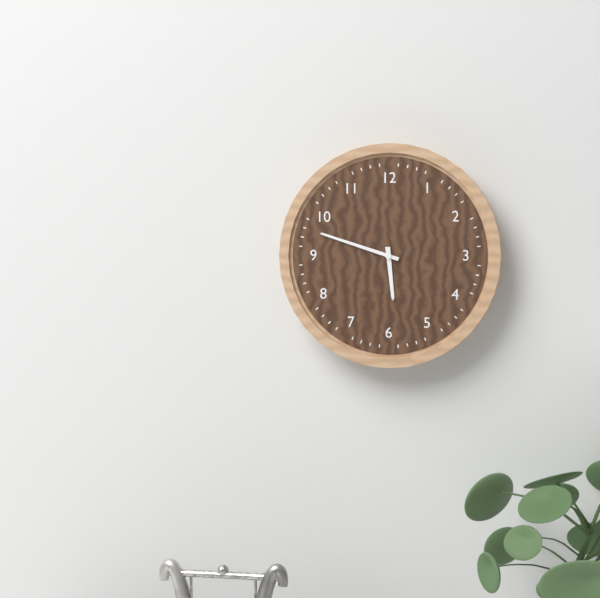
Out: 5:48
